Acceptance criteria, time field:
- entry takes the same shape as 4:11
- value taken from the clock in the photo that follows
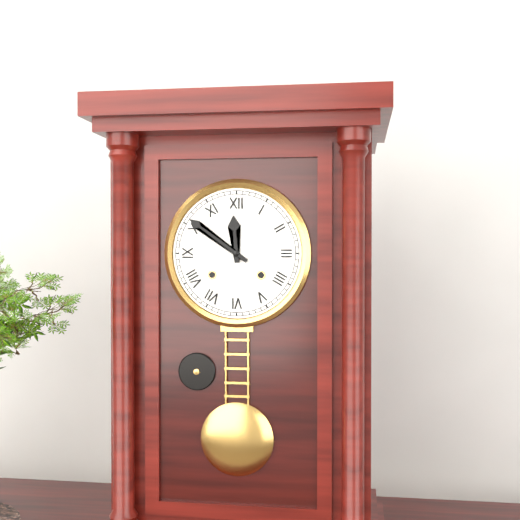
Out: 11:51
